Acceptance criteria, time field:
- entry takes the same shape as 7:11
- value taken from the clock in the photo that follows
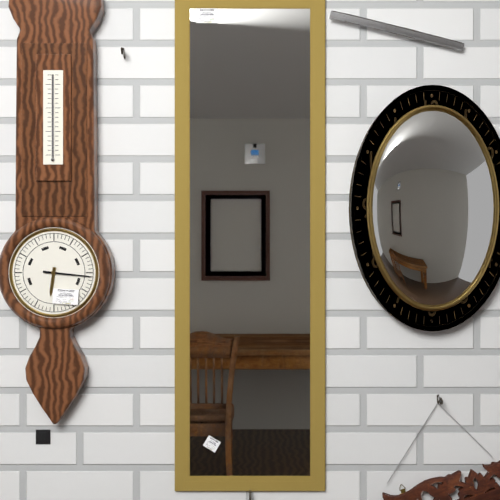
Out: 6:16
